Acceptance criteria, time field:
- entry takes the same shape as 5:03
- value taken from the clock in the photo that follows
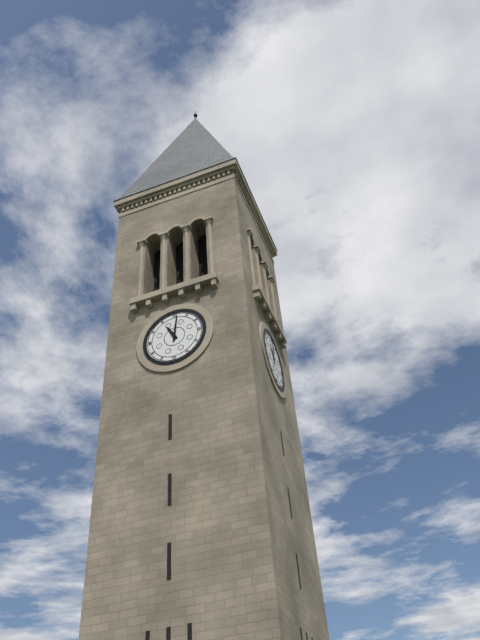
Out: 11:01
